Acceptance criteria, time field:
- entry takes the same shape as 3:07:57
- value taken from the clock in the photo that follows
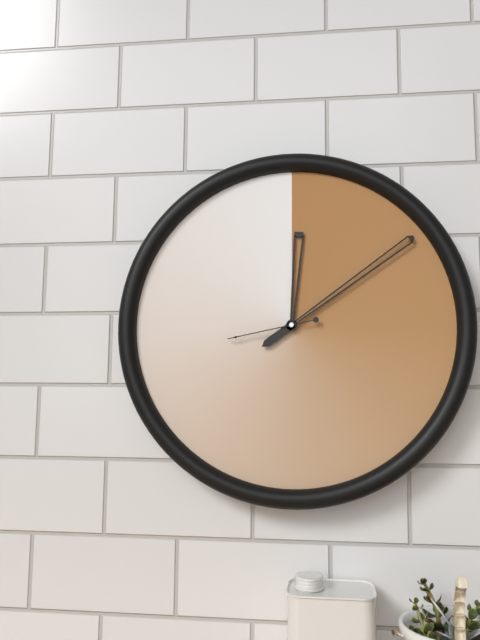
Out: 12:09:43
